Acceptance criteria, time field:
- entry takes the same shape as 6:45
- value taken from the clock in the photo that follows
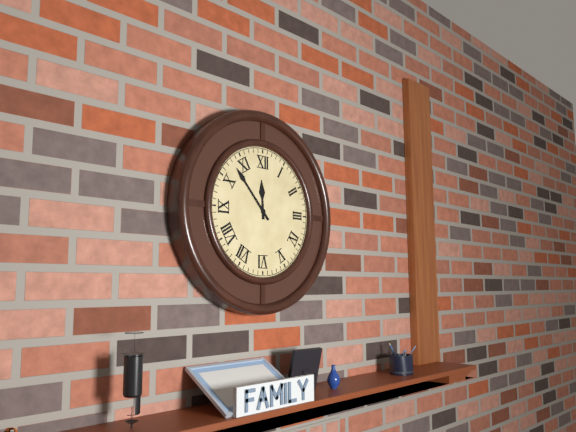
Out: 11:53
